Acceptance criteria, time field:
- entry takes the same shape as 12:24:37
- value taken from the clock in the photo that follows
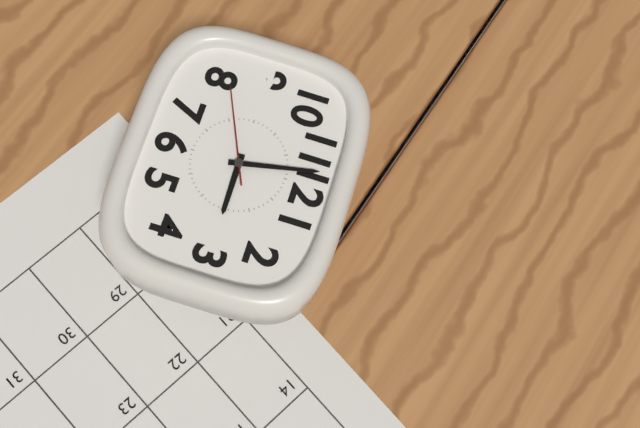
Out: 2:58:41
